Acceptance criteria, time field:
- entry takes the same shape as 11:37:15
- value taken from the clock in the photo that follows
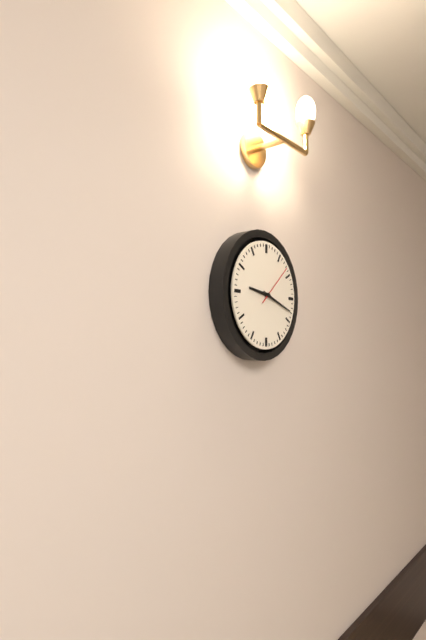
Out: 9:18:08
